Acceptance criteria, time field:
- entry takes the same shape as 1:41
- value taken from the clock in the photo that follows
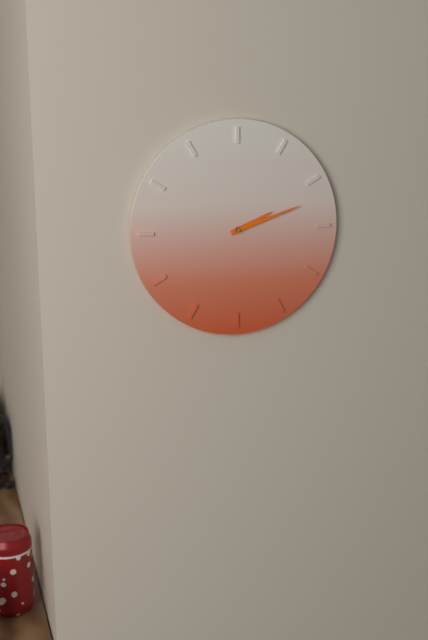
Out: 2:12
